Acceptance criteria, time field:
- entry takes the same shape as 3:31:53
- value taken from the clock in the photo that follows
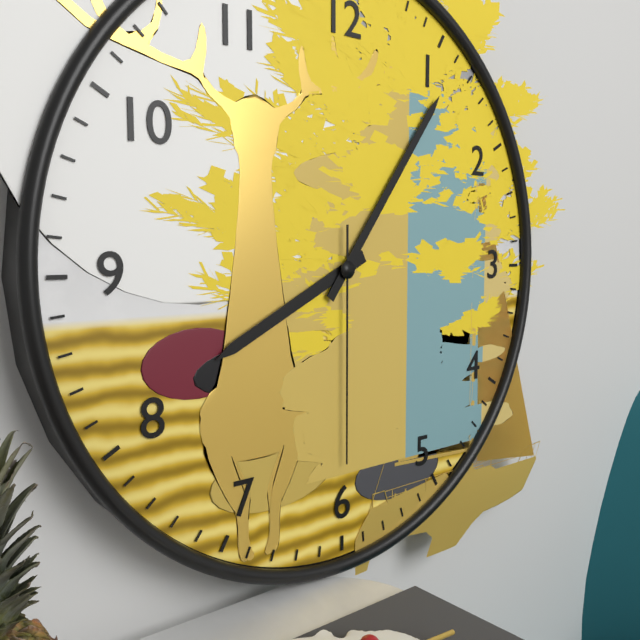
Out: 8:06:30
